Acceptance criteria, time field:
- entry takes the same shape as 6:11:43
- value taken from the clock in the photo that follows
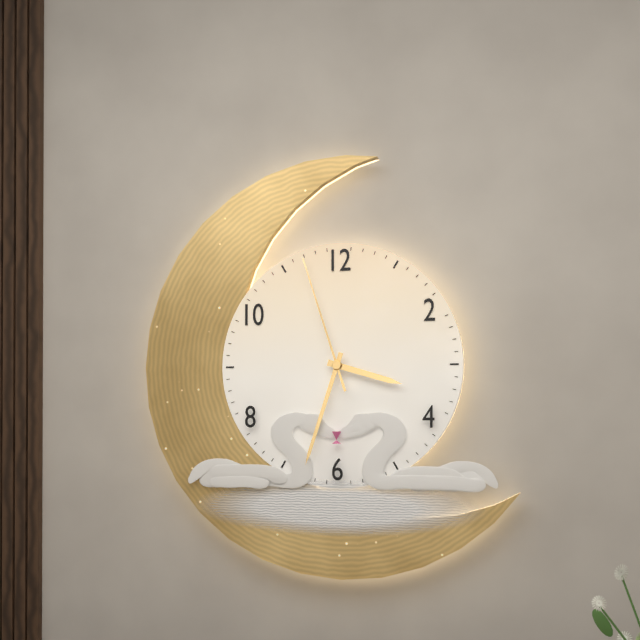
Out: 3:33:57
